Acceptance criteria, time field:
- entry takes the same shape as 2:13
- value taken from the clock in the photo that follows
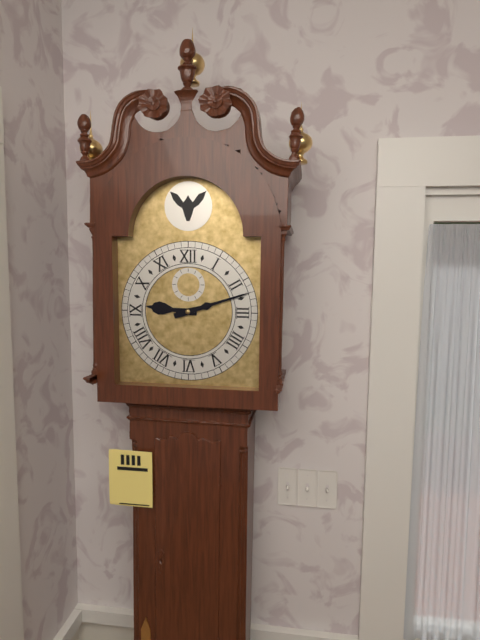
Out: 9:12
